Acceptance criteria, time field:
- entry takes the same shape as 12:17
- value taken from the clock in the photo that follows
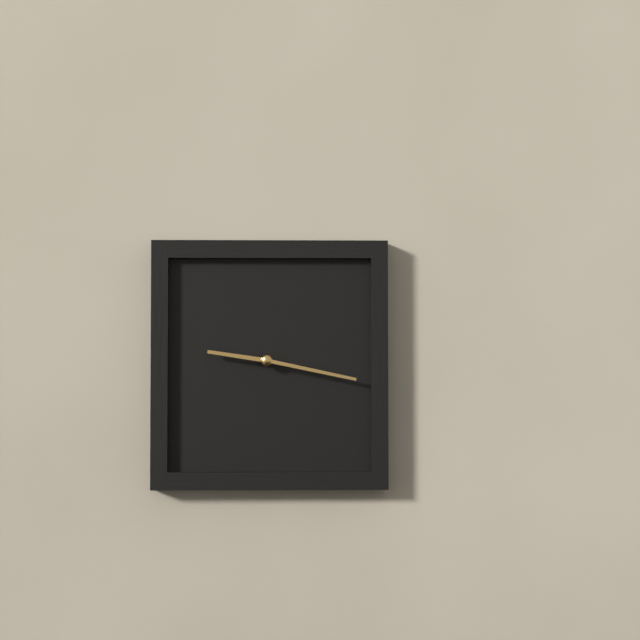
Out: 9:17
